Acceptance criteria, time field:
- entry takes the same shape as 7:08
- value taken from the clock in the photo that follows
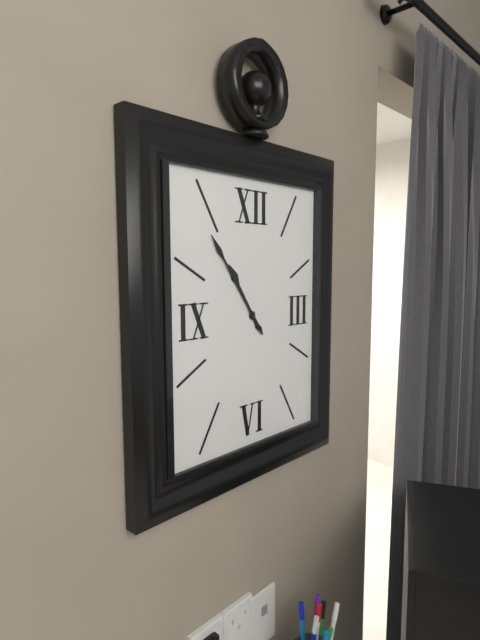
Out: 10:54
